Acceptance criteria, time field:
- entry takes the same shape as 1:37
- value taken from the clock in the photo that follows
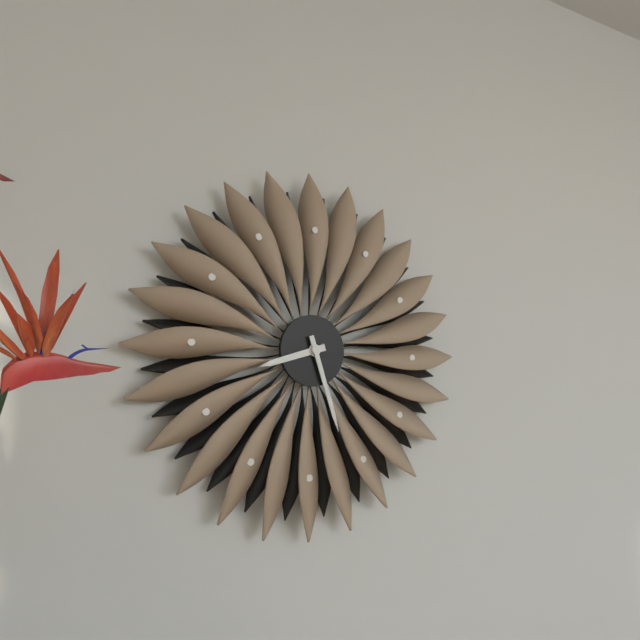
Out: 8:27
